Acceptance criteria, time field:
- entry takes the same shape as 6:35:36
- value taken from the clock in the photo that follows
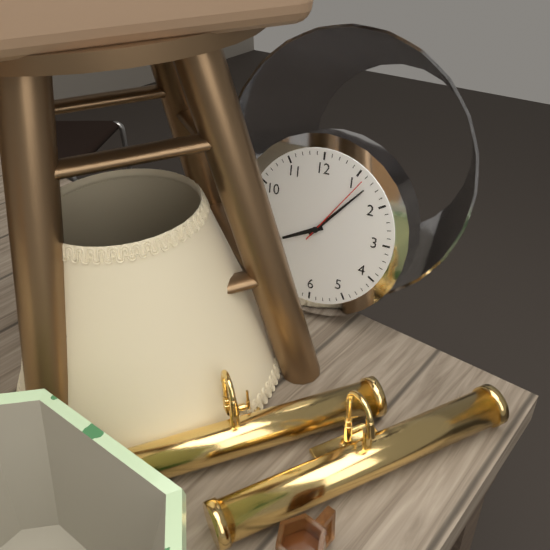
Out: 8:07:06
